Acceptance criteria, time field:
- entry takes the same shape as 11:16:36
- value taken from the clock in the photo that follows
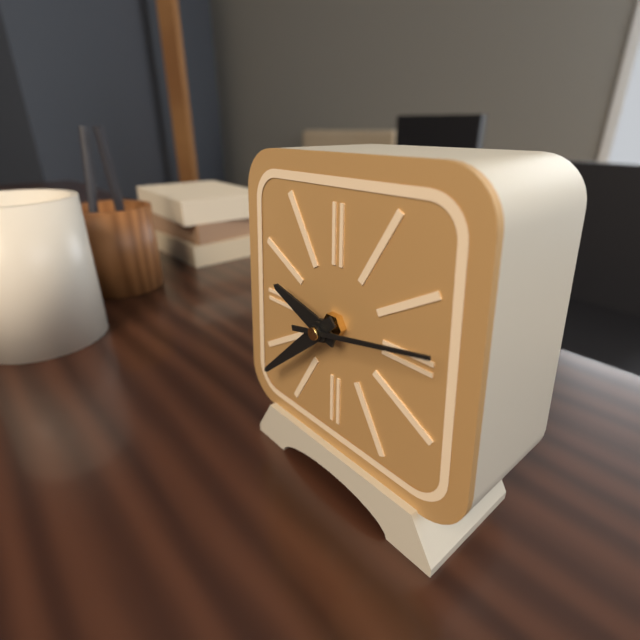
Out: 9:38:13
